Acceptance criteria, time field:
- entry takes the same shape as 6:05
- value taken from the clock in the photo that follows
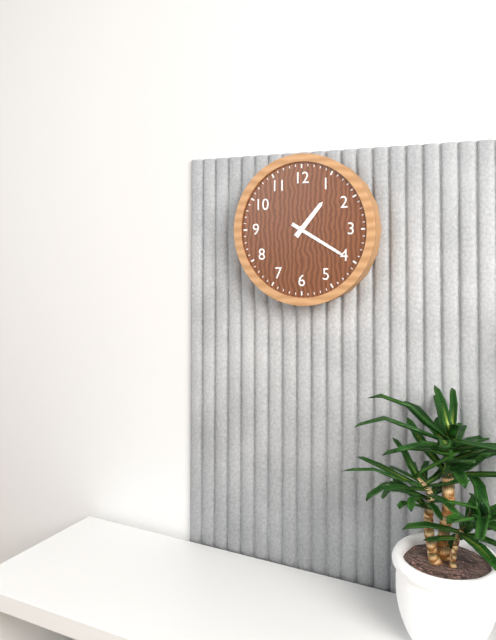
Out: 1:20
